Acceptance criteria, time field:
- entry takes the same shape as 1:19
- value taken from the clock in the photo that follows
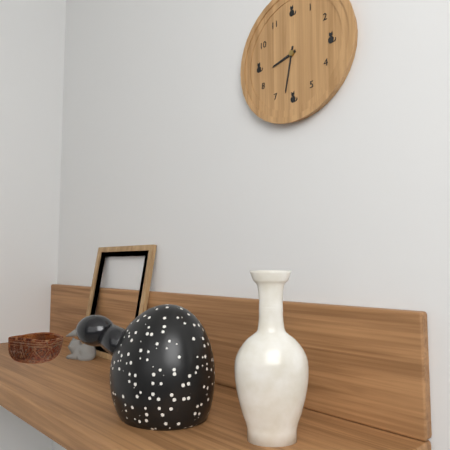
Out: 8:32
